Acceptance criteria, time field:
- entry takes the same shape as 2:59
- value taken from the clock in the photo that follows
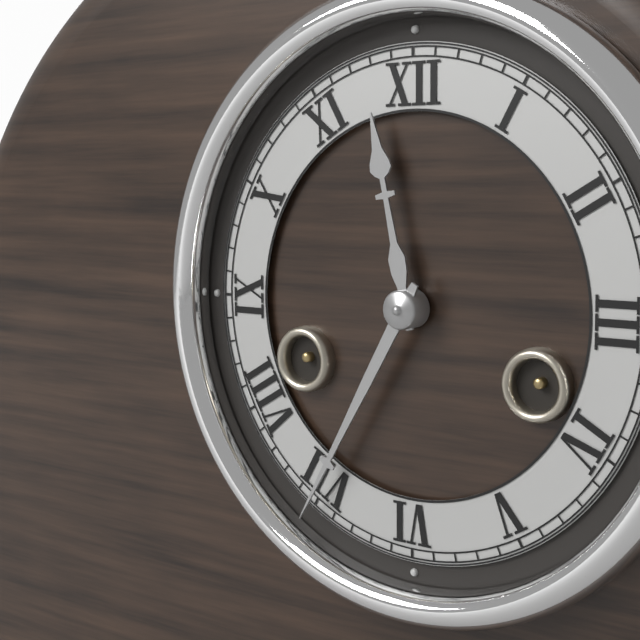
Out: 11:35
